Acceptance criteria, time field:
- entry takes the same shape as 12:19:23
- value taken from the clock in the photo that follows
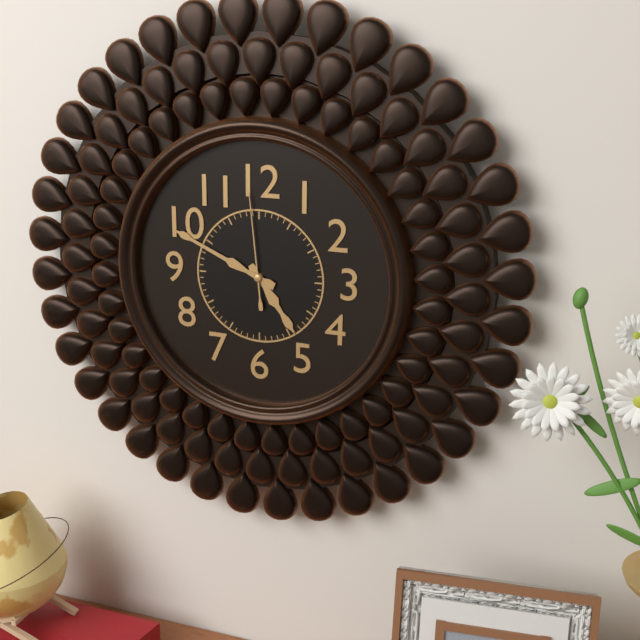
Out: 4:49:59
